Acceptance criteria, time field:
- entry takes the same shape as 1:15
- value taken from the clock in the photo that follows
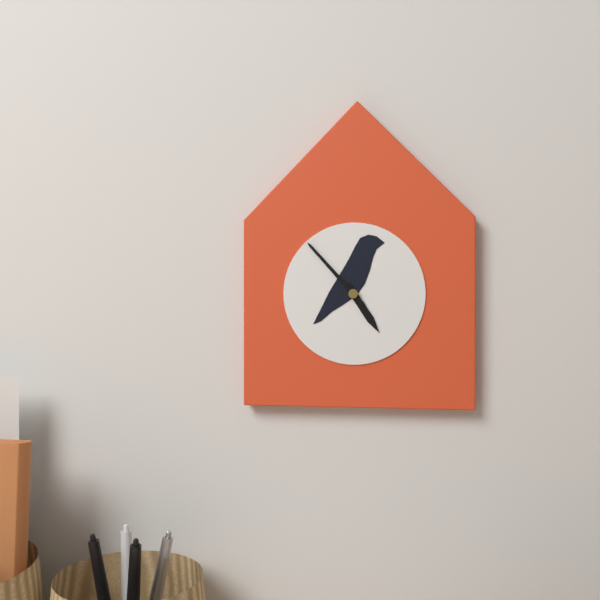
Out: 4:53
